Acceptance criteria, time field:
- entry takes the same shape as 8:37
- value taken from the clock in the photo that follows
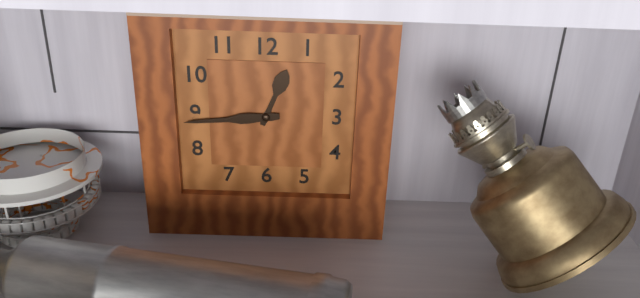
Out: 12:44
